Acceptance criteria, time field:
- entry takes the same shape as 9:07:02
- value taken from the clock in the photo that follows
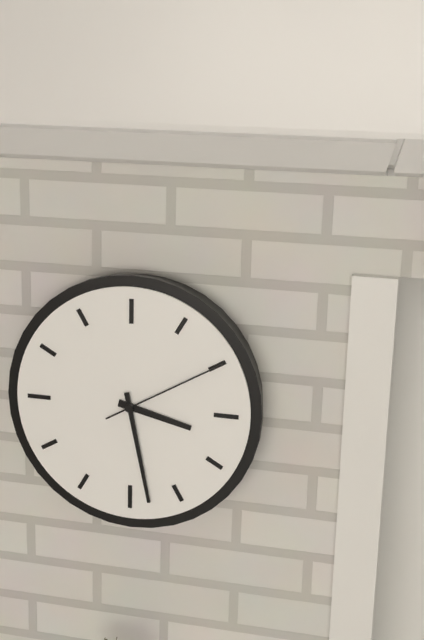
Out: 3:28:10
